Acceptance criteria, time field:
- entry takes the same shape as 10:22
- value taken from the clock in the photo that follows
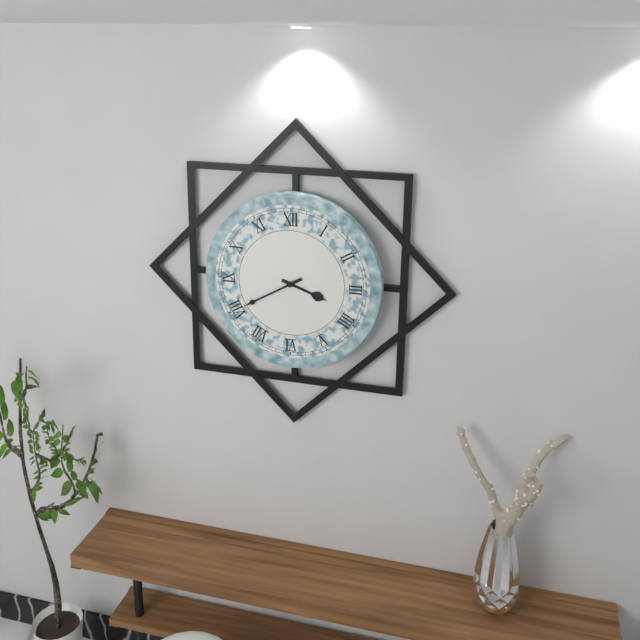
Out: 3:40
